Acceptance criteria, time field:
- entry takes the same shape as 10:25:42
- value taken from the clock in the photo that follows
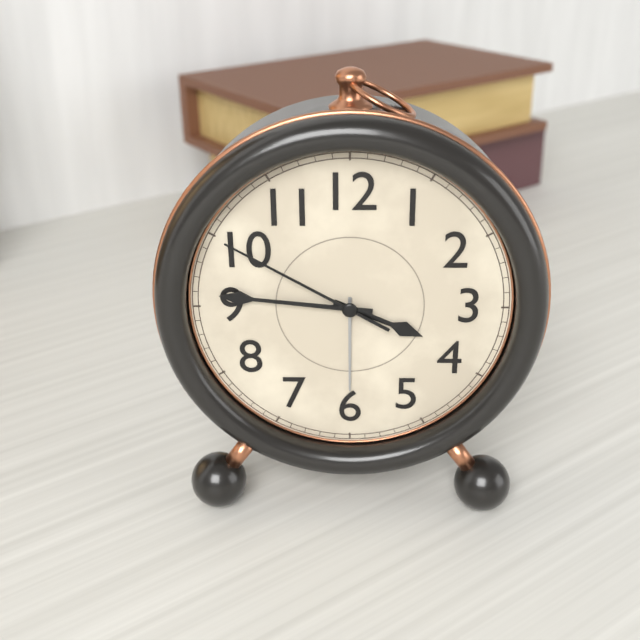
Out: 3:46:50
